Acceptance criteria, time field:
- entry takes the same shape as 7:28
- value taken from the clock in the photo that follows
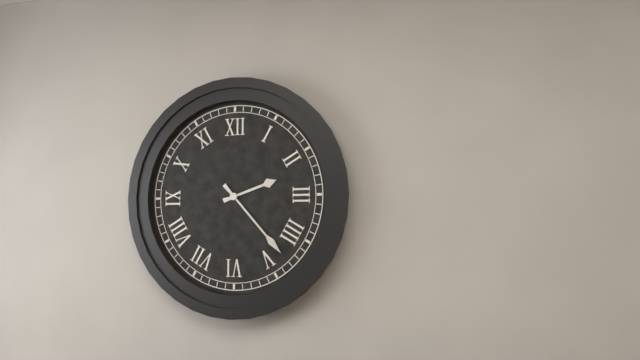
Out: 2:23
